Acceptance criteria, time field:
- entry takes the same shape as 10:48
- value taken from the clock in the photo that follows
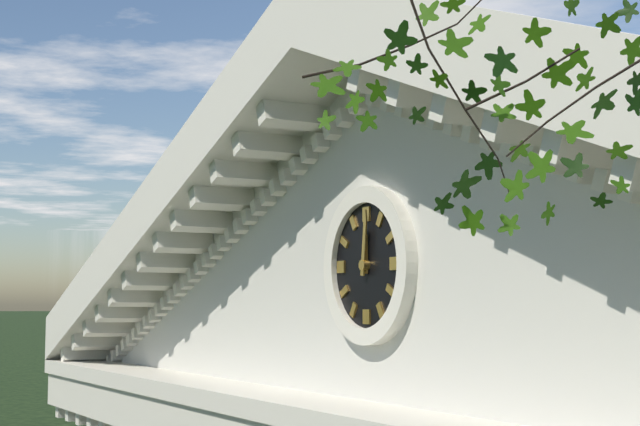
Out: 12:01
